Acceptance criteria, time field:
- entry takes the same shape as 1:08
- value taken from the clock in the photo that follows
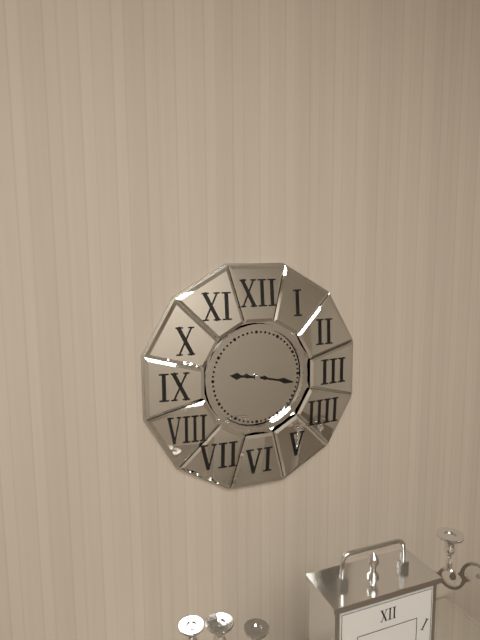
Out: 9:17
